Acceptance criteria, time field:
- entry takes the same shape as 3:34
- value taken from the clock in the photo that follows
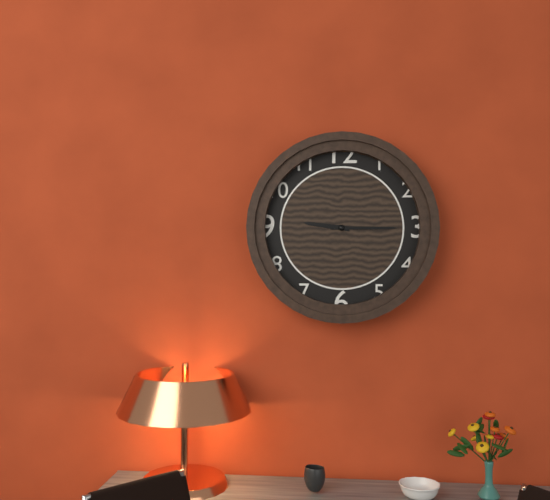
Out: 9:15
